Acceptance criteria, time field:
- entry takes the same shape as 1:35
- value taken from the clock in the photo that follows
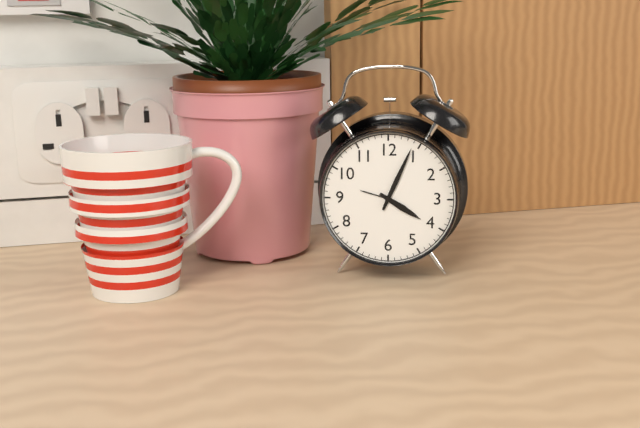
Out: 4:04
